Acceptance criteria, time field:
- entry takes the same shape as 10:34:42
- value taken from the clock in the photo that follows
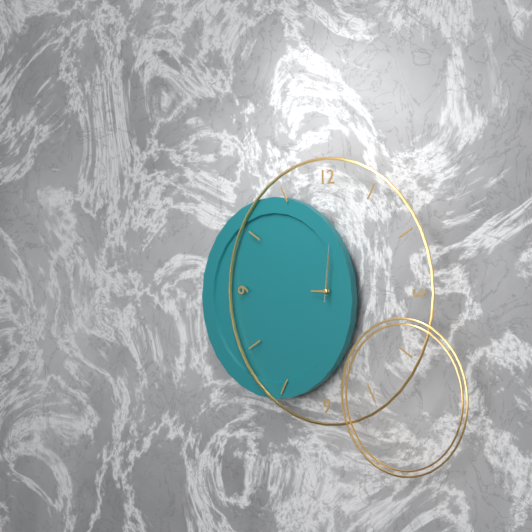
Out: 9:01:01
